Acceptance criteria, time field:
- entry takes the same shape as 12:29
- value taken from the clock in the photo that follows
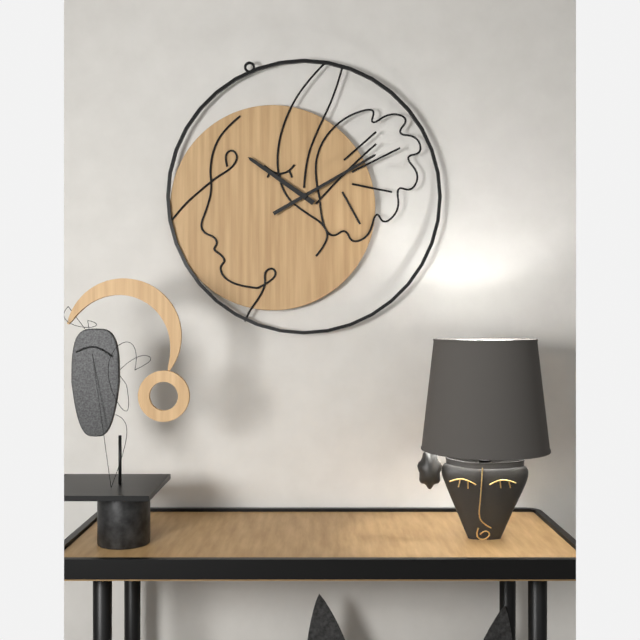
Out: 10:10
